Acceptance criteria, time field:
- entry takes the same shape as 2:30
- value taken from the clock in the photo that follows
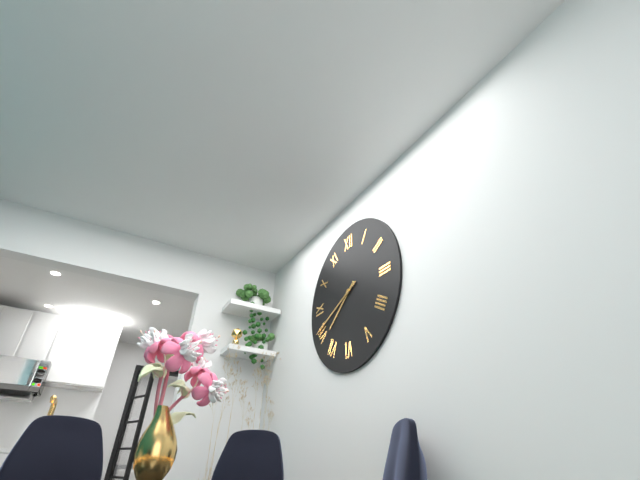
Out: 7:41
